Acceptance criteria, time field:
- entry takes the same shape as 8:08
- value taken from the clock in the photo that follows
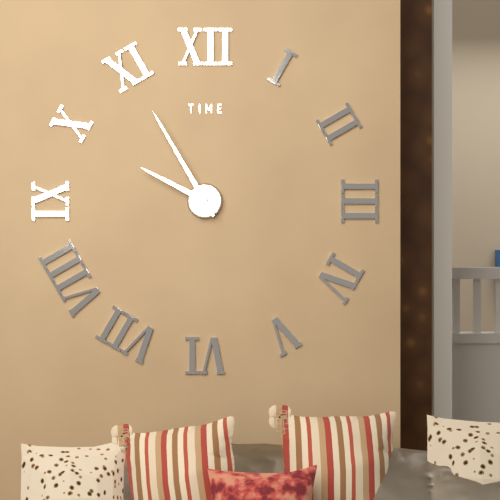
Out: 9:55
